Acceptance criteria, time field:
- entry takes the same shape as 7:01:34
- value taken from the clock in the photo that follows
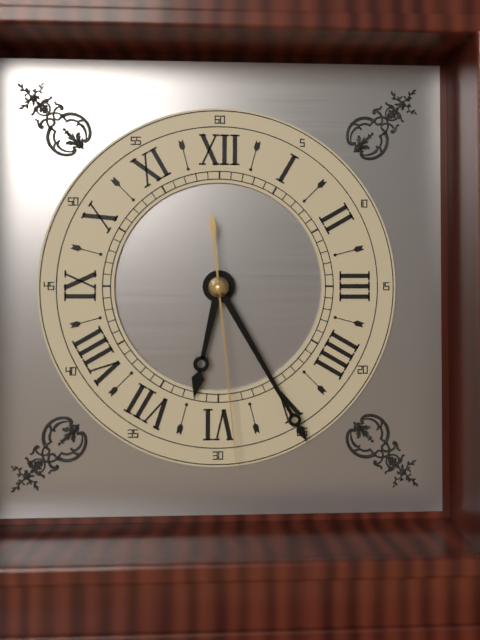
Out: 6:25:29
